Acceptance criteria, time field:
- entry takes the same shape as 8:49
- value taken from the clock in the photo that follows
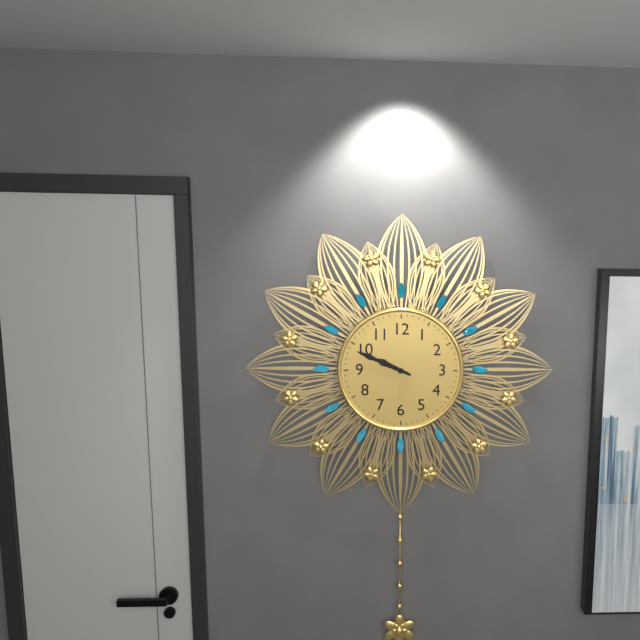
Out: 9:49
